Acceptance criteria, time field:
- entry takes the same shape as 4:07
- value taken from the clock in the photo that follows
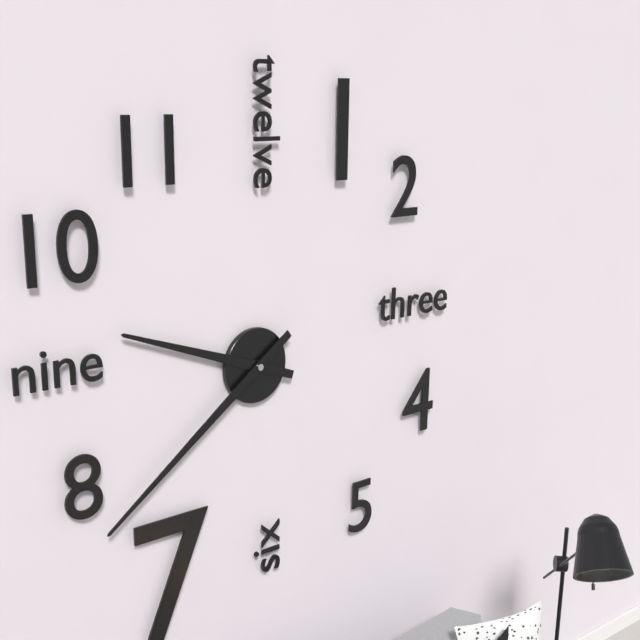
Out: 9:39
